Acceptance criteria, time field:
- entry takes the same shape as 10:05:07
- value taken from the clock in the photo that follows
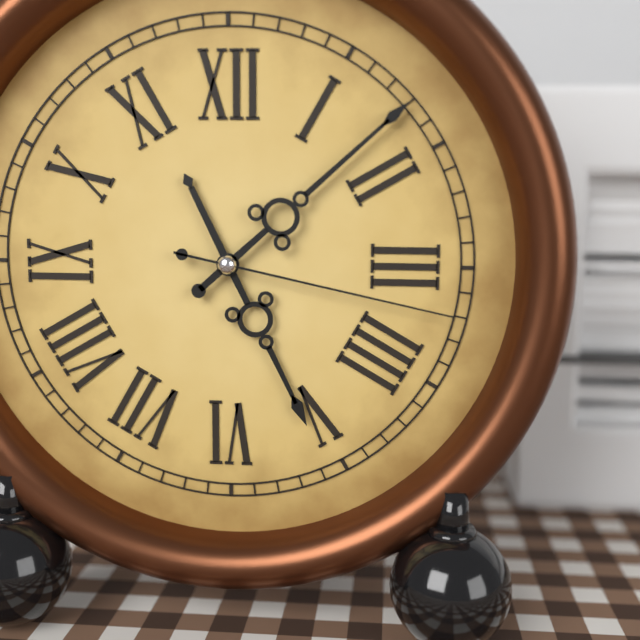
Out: 5:08:17
